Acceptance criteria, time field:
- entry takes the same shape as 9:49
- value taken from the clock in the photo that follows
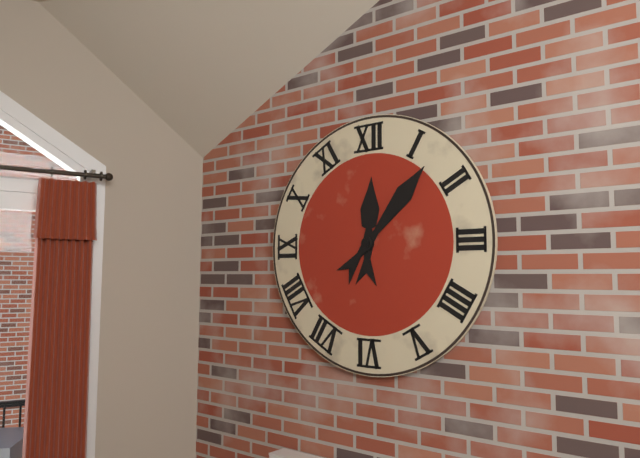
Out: 12:07
